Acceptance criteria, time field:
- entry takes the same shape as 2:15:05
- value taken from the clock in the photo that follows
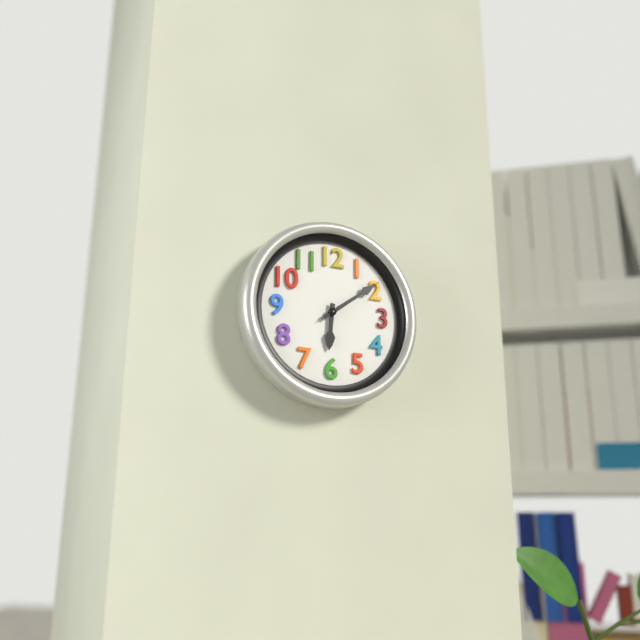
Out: 6:09:09
